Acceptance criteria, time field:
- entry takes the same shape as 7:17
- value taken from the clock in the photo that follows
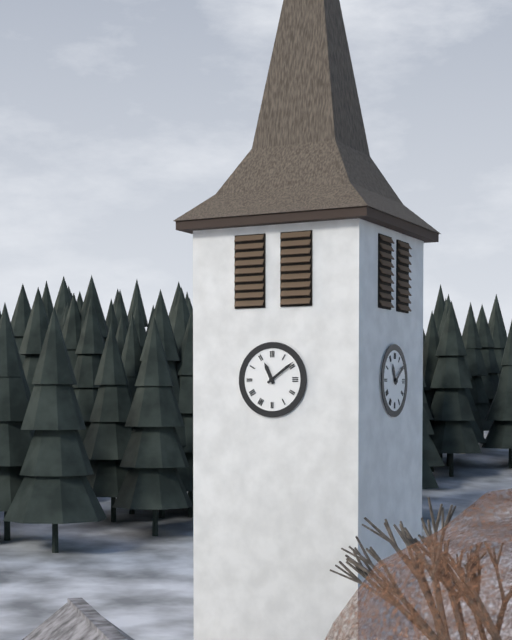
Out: 11:09
